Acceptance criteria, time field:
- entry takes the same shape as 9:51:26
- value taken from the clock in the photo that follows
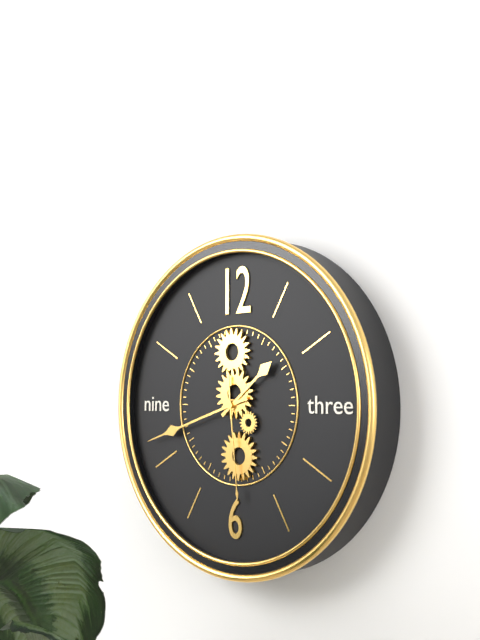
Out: 1:42:29
